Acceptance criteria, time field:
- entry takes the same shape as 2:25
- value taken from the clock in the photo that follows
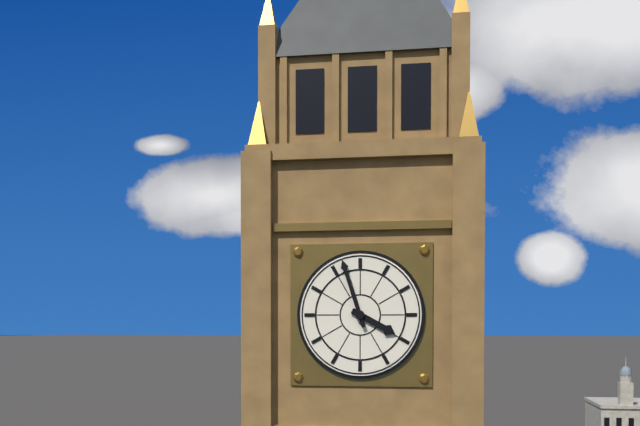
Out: 3:57
